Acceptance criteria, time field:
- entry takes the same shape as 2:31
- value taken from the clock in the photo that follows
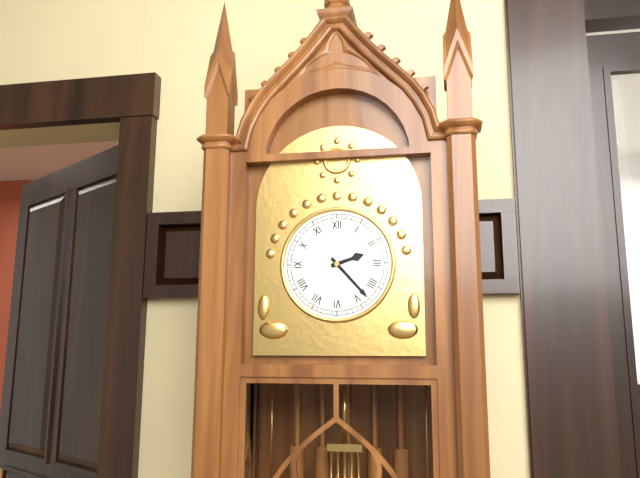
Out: 2:23
